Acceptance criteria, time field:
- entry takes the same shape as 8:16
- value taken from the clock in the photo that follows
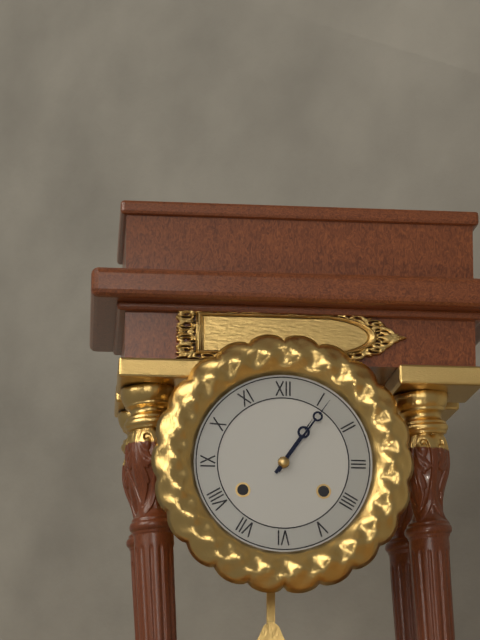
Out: 1:06
